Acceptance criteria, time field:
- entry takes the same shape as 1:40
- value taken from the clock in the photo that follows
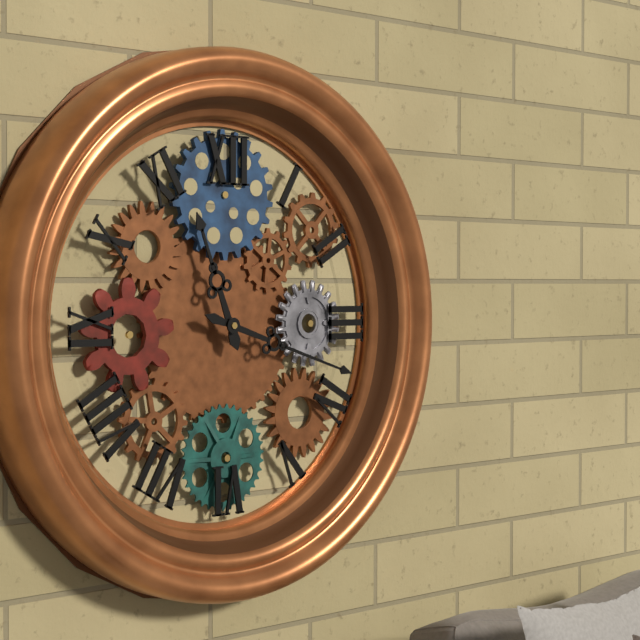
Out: 11:18
